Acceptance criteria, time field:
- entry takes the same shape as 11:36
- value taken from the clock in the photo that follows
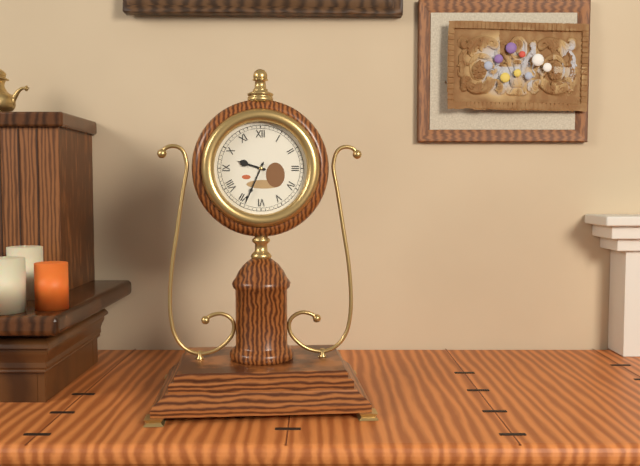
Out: 9:34
